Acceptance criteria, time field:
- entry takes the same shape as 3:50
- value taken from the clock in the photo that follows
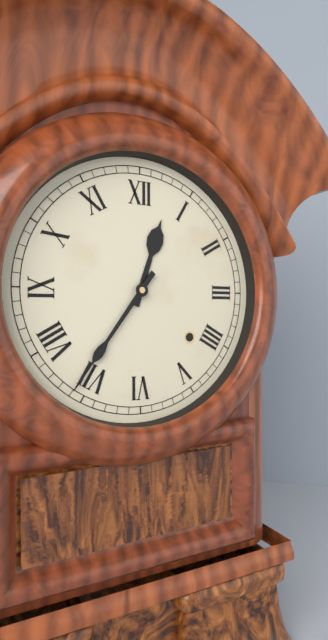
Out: 12:36
